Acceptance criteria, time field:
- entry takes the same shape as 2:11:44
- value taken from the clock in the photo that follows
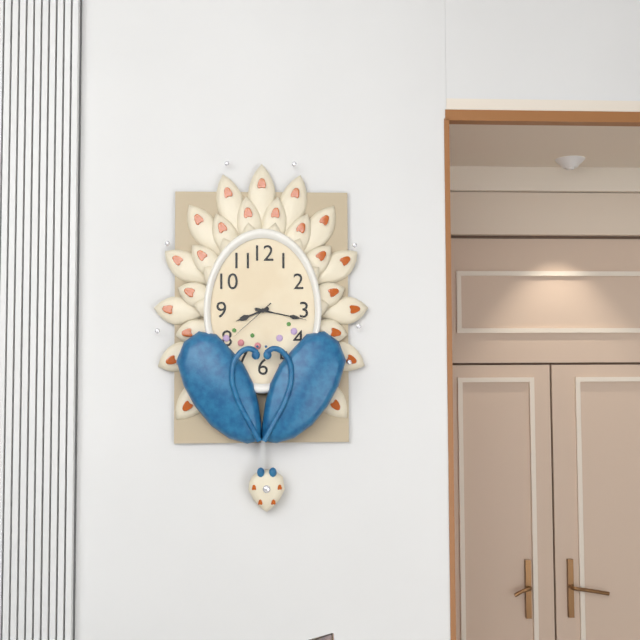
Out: 8:17:38
